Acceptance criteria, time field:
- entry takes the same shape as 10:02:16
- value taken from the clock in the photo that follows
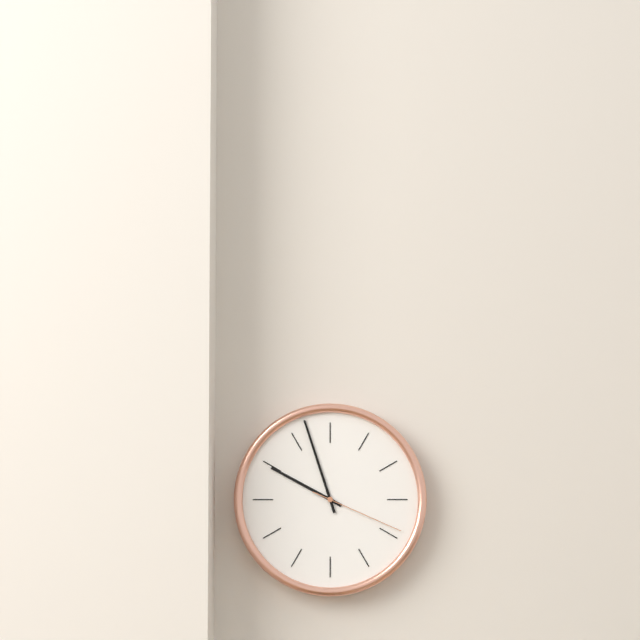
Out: 9:57:19
